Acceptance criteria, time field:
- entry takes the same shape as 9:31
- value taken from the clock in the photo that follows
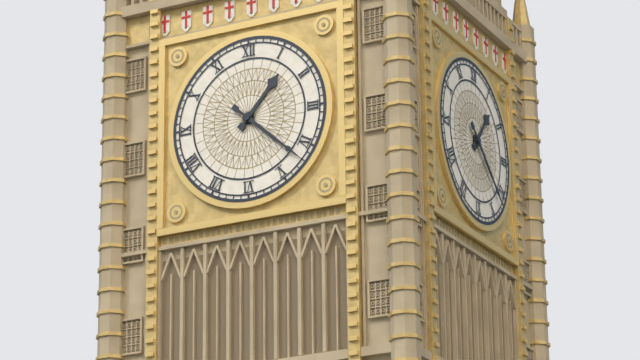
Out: 1:22
